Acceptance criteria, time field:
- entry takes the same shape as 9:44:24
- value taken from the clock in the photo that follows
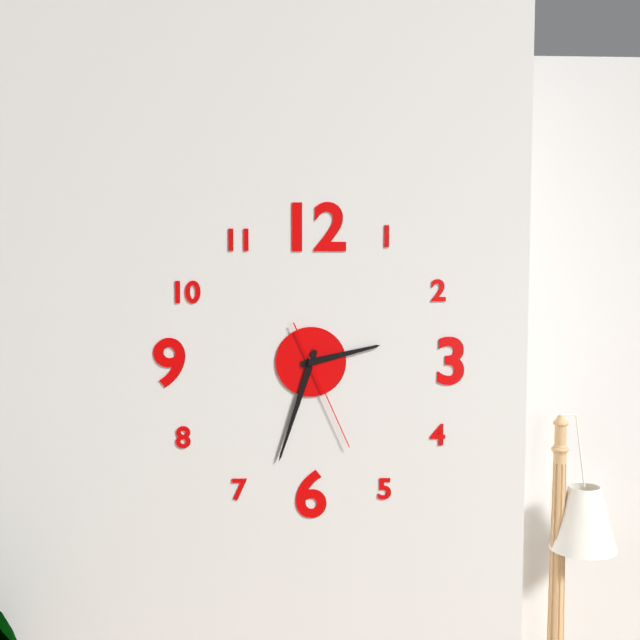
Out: 2:33:26
